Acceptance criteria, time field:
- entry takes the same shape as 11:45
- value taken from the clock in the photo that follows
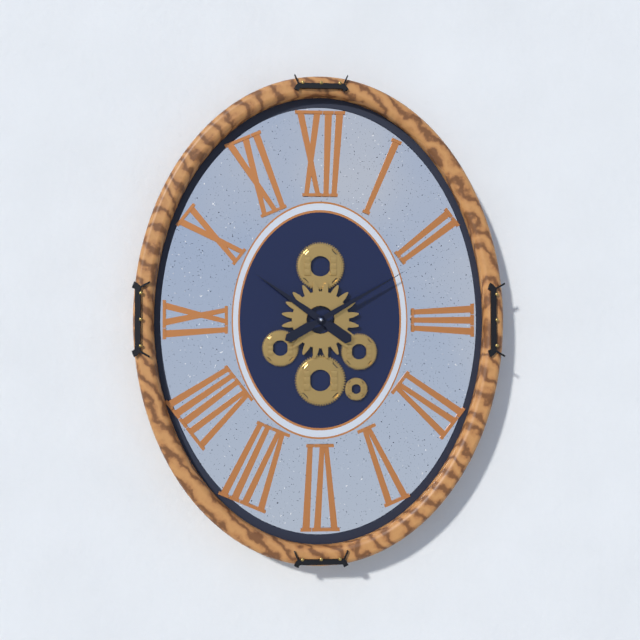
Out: 10:10
